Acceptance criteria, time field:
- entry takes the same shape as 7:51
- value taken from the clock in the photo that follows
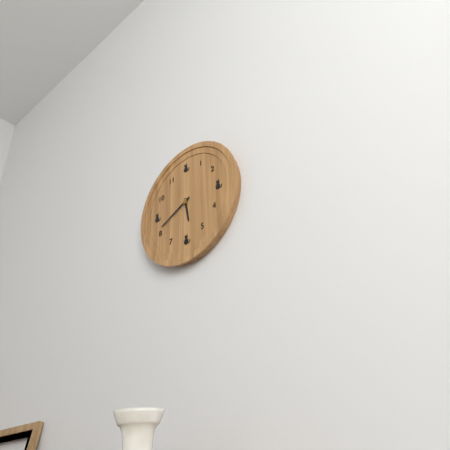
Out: 5:41
